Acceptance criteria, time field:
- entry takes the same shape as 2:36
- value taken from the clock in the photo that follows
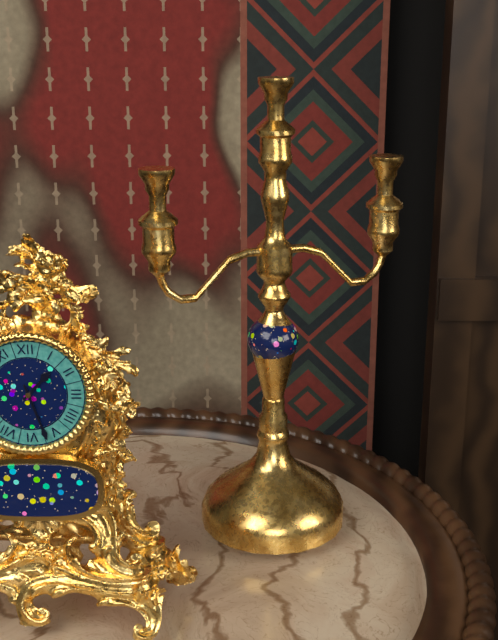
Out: 1:27
